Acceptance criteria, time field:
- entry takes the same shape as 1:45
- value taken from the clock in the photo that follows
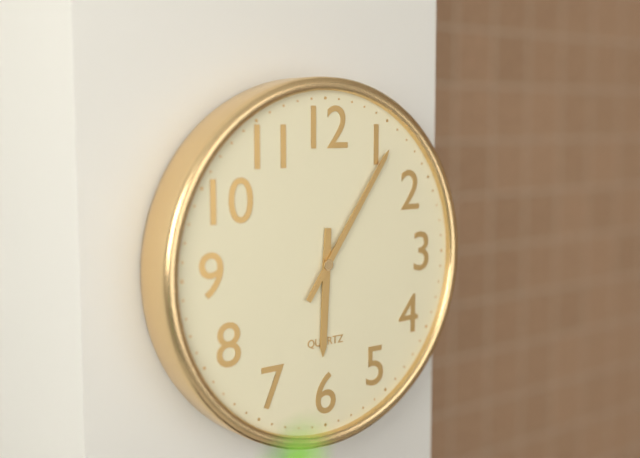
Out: 6:06
